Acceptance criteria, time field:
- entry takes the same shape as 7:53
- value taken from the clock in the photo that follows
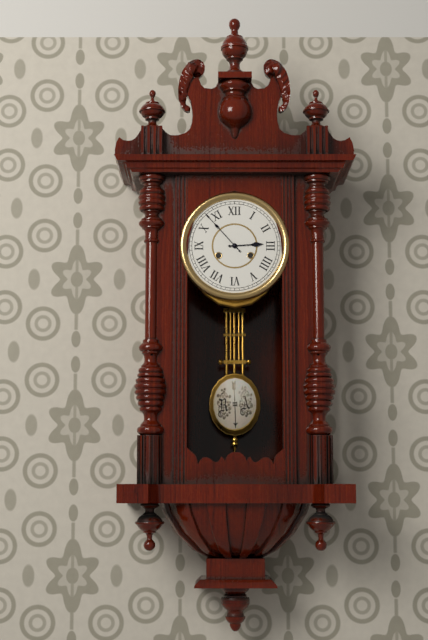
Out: 2:53
